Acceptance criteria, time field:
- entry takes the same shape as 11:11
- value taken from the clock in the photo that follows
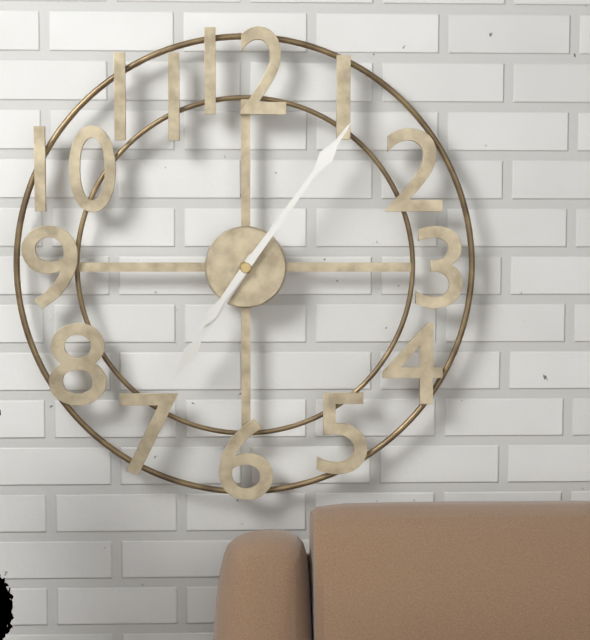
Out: 7:06
